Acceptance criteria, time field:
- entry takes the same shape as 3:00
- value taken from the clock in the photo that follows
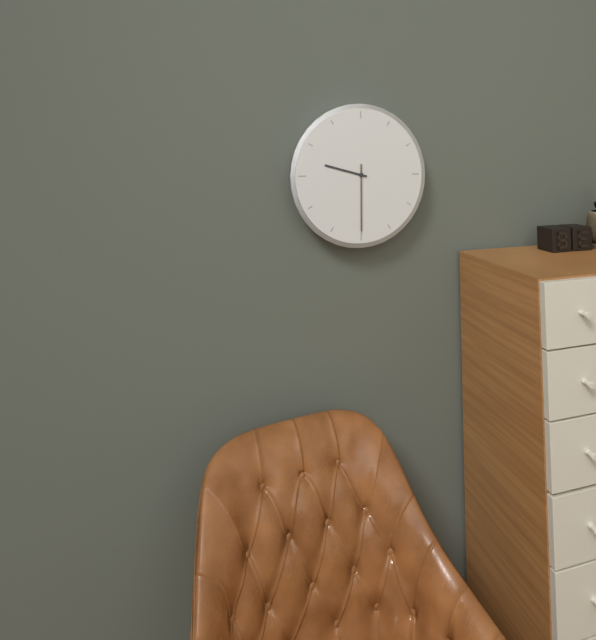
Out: 9:30
